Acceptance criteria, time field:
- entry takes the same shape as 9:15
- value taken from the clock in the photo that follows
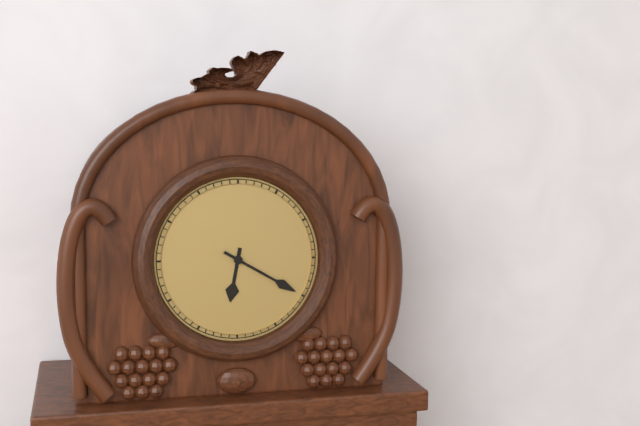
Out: 6:20
